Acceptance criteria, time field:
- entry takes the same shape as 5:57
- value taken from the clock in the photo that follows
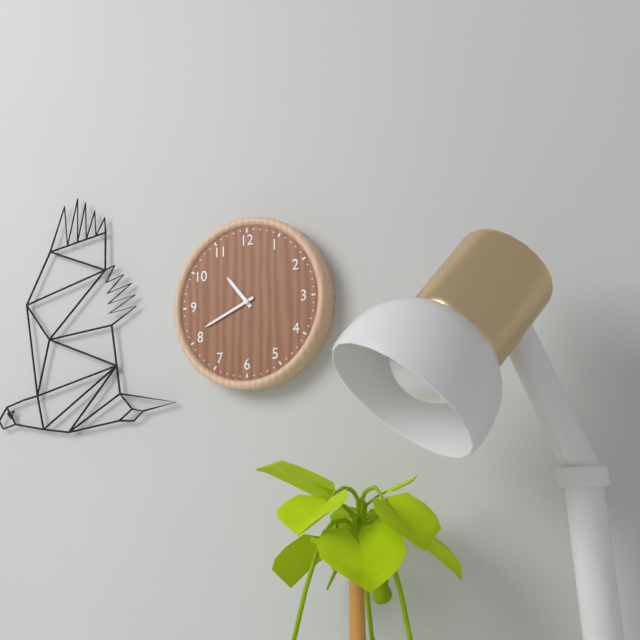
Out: 10:41
